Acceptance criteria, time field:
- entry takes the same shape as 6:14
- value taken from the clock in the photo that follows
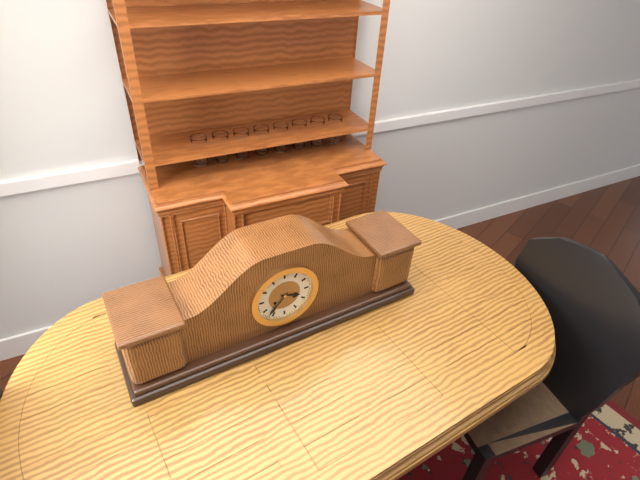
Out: 3:37
